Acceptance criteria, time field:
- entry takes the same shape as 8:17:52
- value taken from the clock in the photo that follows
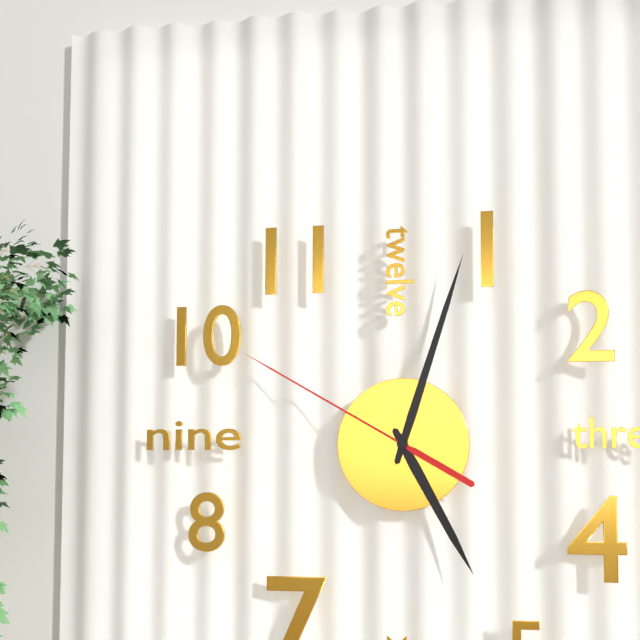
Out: 5:03:50
